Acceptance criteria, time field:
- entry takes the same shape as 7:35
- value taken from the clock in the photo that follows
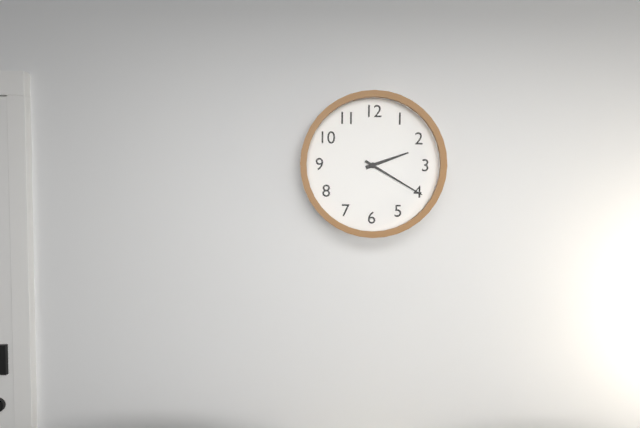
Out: 2:20
